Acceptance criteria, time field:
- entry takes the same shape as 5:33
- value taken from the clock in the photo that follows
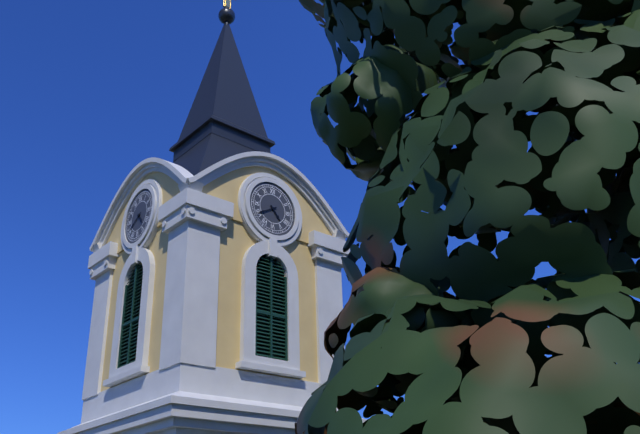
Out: 4:40
